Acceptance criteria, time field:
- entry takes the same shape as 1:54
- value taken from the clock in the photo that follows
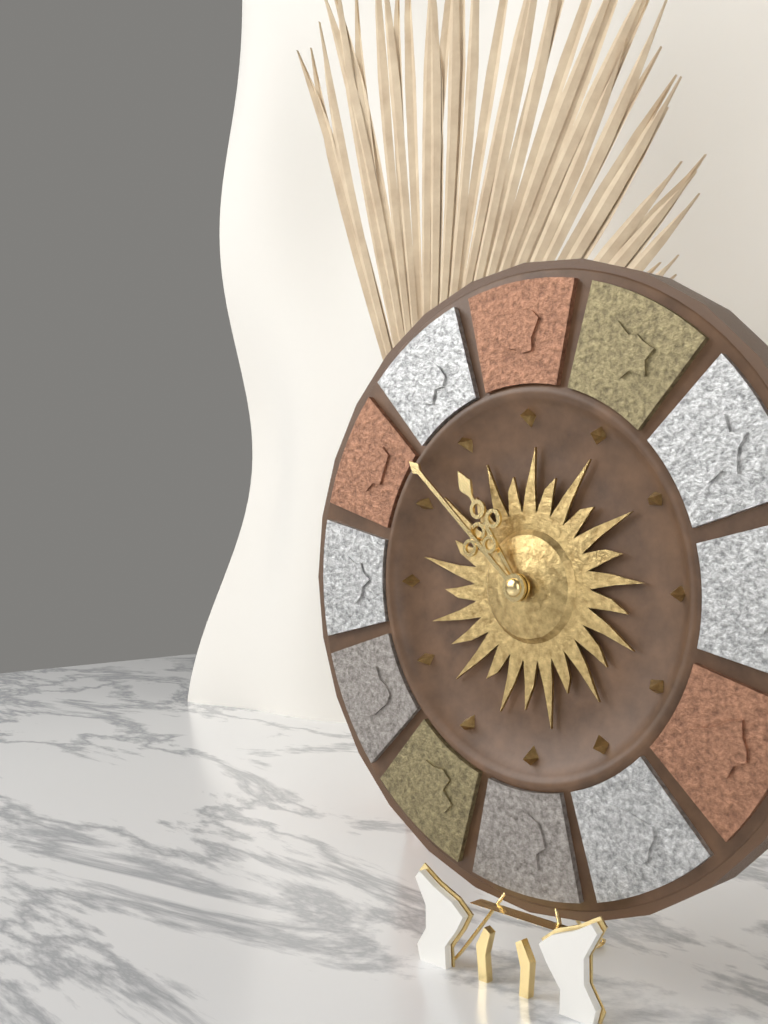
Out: 10:52
